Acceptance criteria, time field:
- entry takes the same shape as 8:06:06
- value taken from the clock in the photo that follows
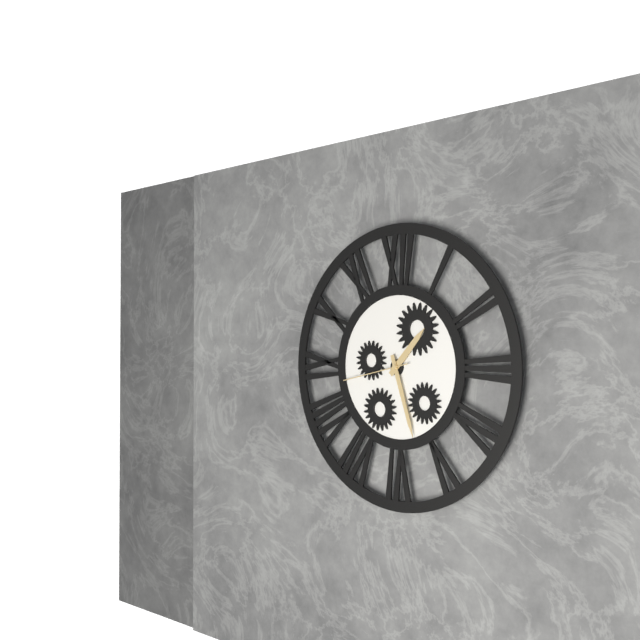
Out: 1:27:43
